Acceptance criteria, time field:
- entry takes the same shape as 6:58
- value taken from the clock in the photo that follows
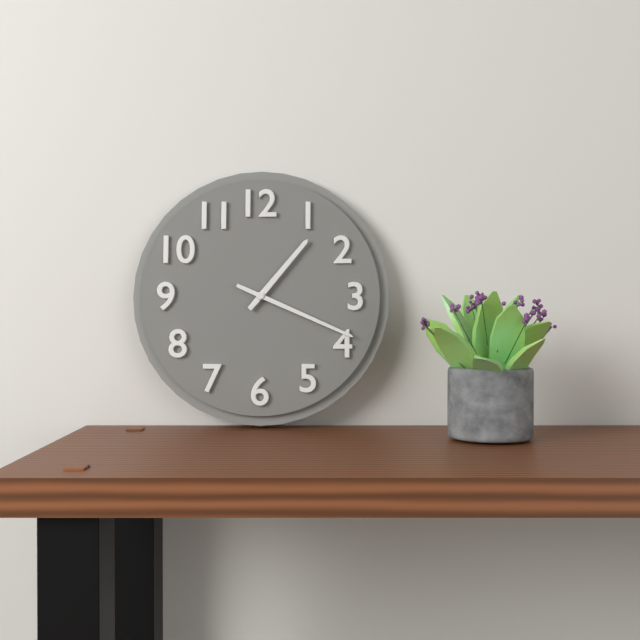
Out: 1:19
